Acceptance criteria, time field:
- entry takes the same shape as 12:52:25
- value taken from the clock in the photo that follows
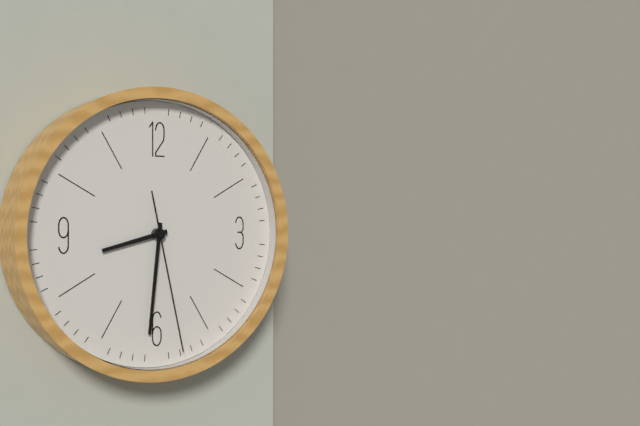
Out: 8:31:28
